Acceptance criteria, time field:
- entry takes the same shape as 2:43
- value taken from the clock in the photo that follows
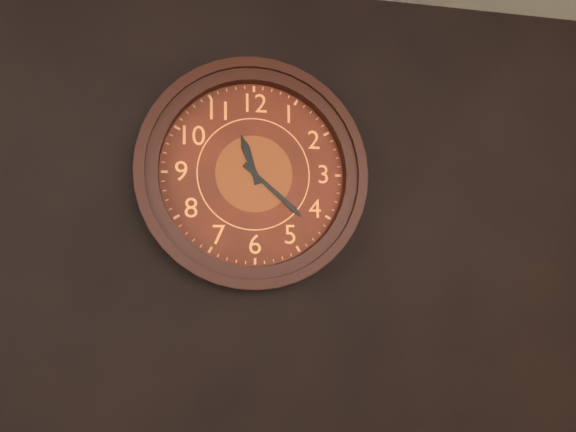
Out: 11:22
